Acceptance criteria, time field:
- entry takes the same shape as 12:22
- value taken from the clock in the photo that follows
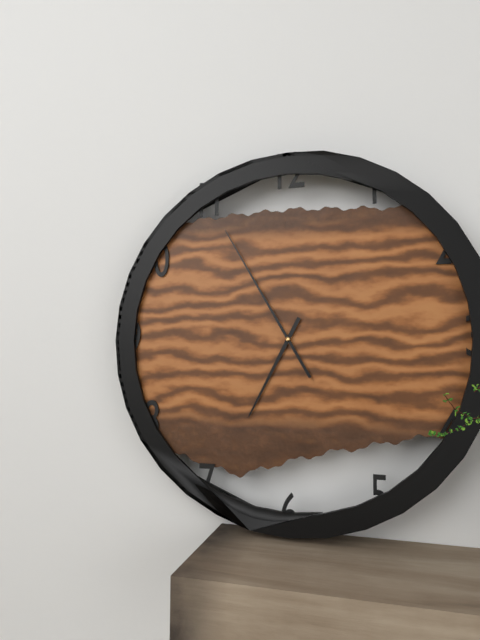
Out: 6:55
